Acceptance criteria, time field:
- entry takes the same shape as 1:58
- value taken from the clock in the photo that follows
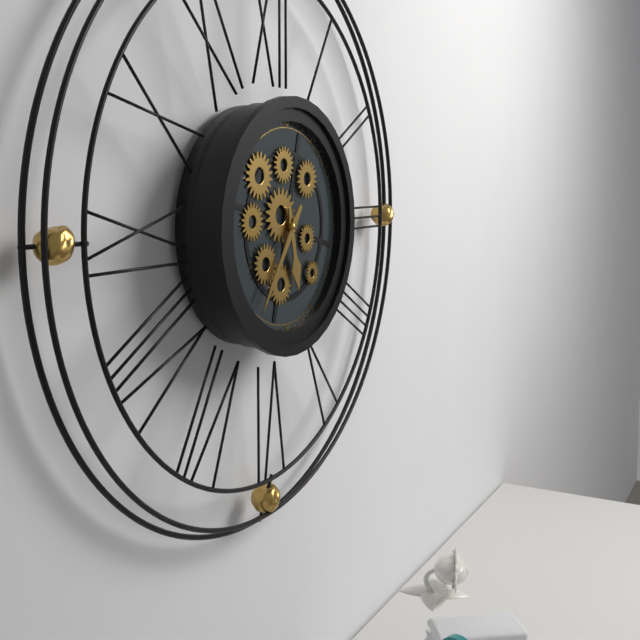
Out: 5:36
